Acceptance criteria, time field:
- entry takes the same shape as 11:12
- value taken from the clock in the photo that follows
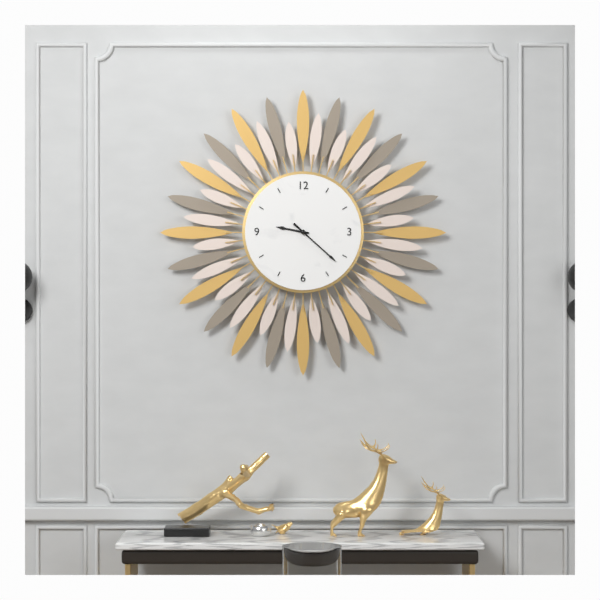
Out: 9:22
